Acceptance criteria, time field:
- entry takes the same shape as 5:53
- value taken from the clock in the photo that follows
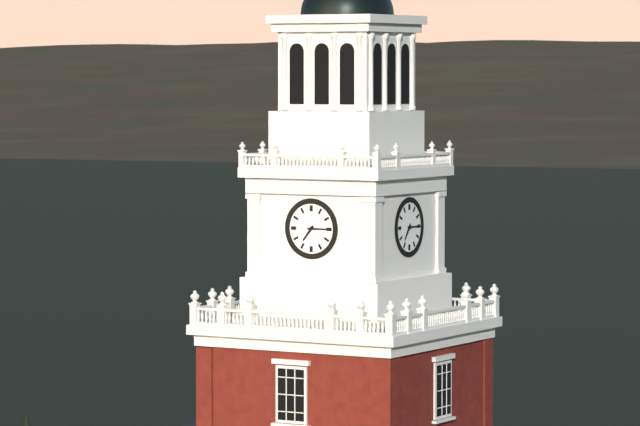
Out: 7:15
